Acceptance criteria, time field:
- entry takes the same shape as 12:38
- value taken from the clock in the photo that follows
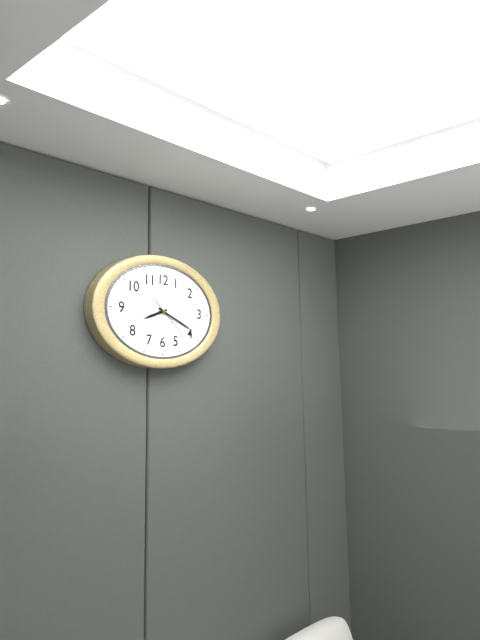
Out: 8:19
